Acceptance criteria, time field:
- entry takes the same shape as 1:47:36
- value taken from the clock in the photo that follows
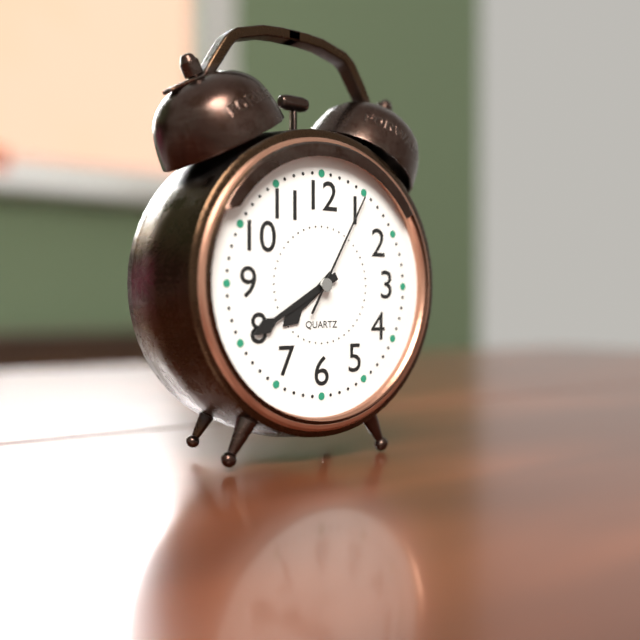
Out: 7:40:05
